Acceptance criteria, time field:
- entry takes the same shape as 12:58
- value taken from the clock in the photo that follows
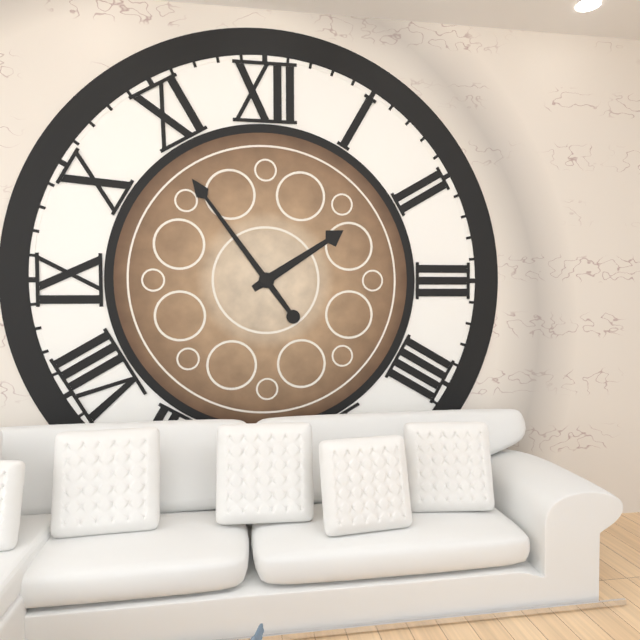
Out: 1:54
